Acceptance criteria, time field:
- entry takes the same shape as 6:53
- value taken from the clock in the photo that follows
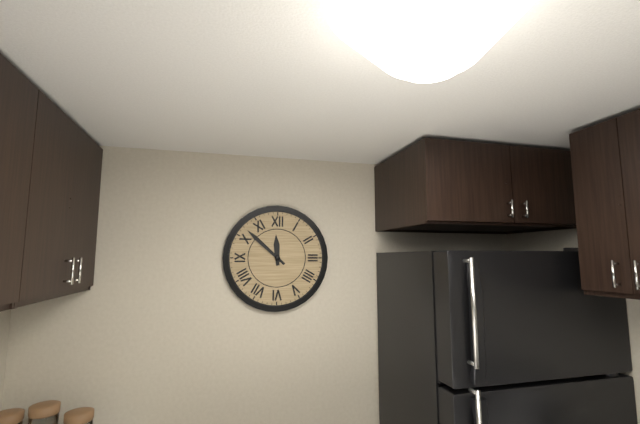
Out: 11:52
